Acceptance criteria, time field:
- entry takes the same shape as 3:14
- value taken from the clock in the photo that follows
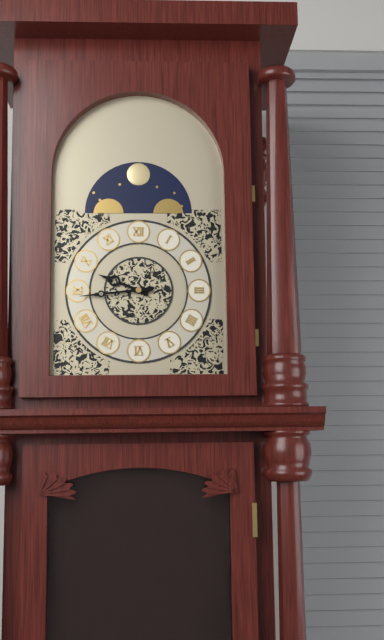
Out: 9:44
